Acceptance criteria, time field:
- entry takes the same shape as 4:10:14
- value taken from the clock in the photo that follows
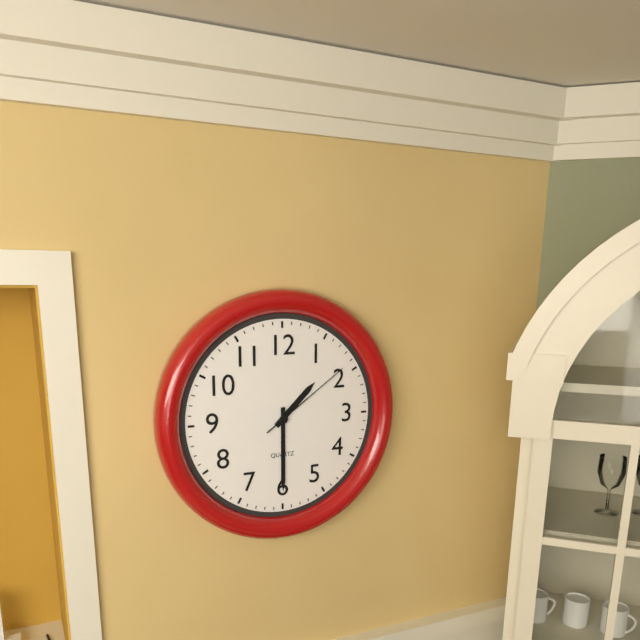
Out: 1:30:09
